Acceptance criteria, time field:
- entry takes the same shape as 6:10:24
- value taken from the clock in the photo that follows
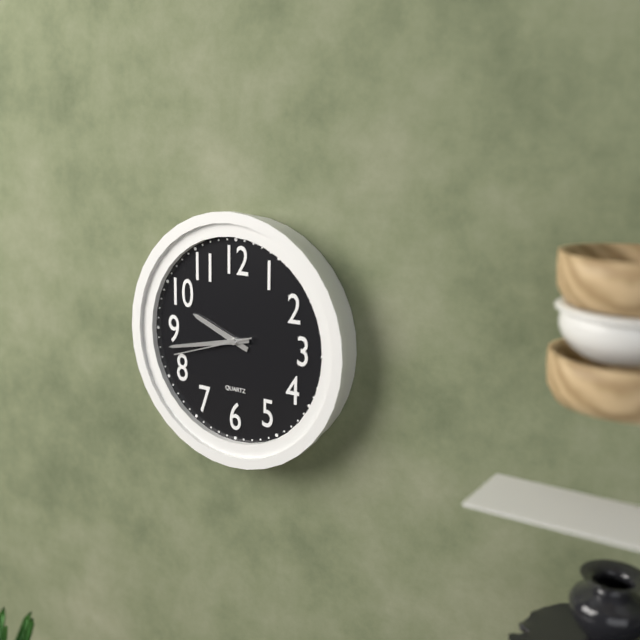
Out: 9:43:42
